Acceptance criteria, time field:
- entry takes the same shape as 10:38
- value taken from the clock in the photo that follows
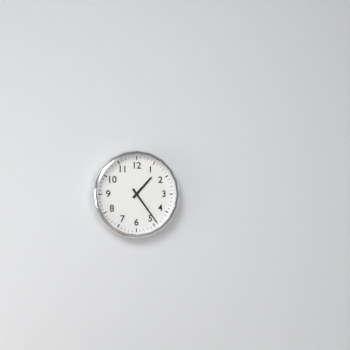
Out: 1:24
